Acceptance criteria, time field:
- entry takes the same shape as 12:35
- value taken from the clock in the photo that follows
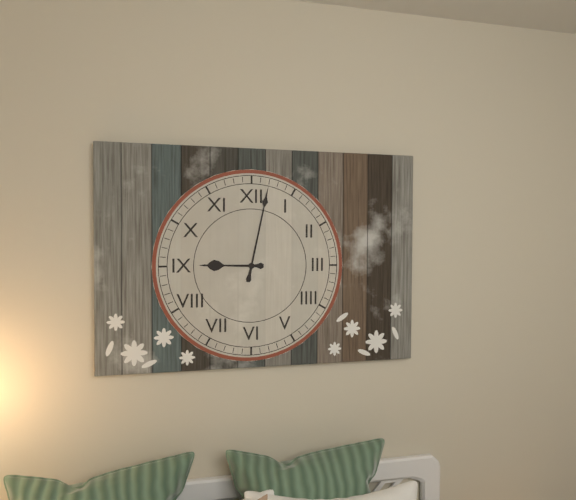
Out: 9:02
